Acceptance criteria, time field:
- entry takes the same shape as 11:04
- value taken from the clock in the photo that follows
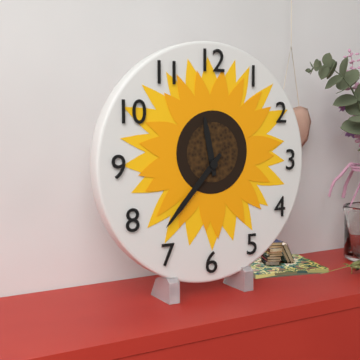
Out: 11:37
